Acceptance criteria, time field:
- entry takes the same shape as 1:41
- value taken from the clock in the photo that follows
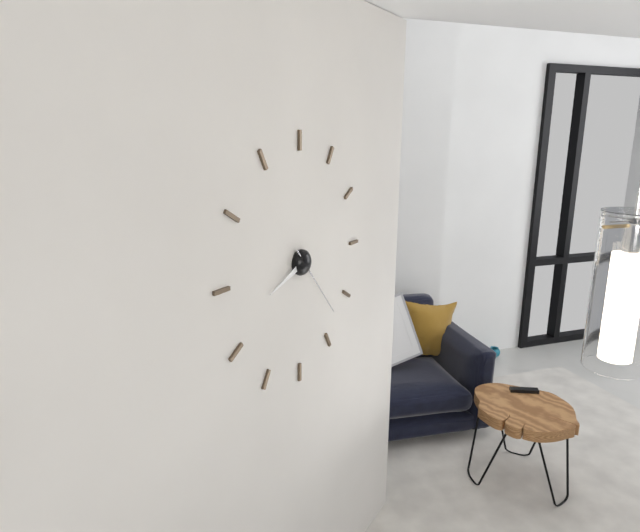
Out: 8:23
